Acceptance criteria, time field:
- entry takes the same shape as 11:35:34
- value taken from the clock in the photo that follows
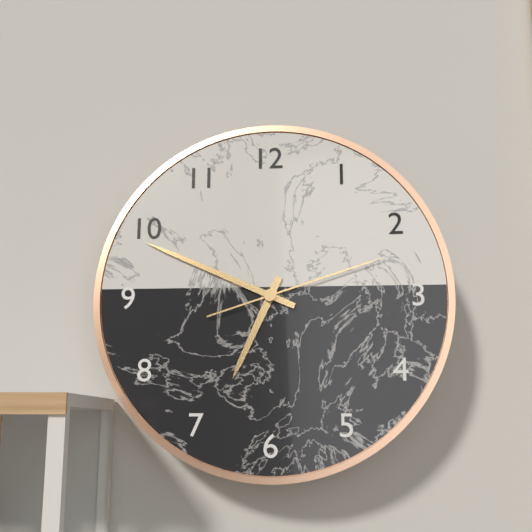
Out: 6:49:12
